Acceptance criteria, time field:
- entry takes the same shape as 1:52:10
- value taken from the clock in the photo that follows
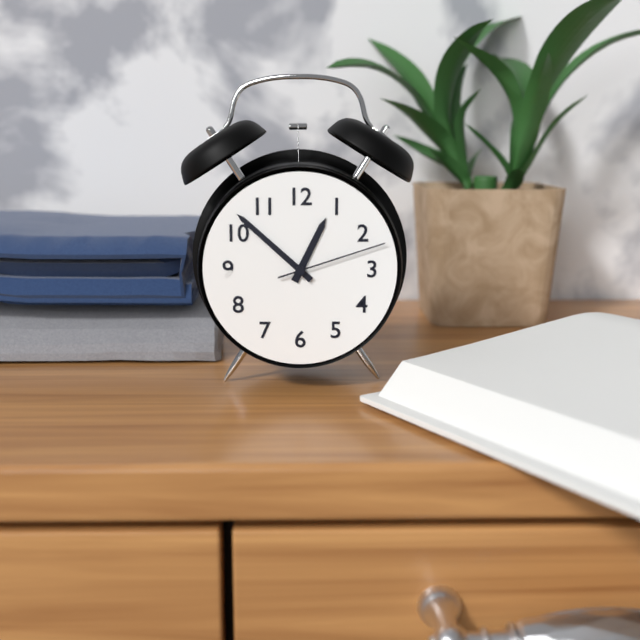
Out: 12:52:12
